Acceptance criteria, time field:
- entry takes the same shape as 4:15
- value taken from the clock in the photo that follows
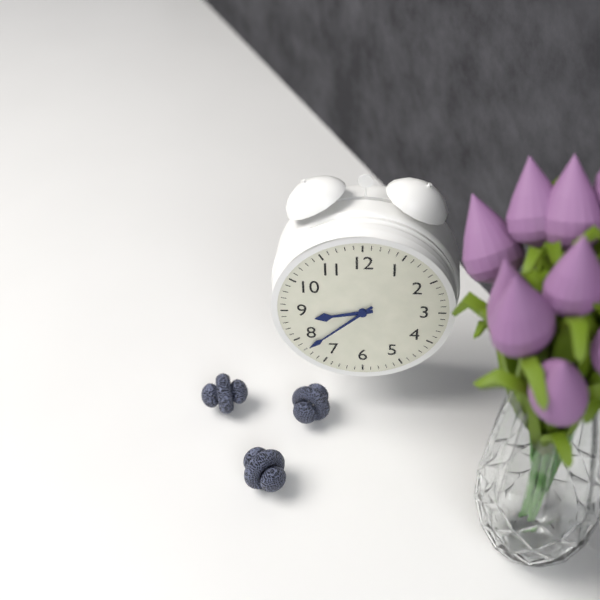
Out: 8:38
